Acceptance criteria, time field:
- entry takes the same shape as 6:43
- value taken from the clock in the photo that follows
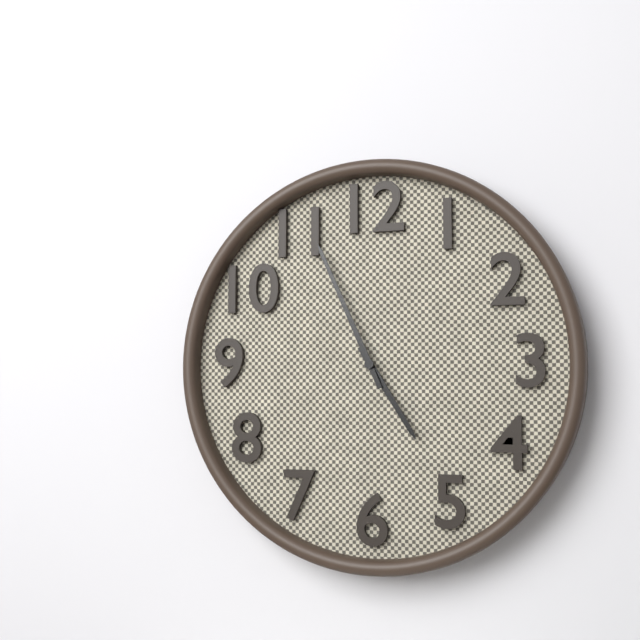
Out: 4:56
